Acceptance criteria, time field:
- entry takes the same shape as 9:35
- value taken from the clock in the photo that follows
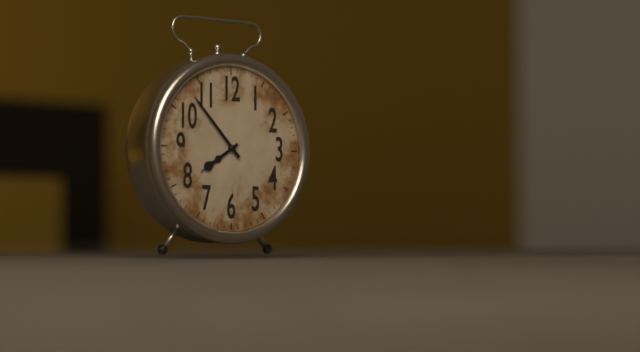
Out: 7:53
